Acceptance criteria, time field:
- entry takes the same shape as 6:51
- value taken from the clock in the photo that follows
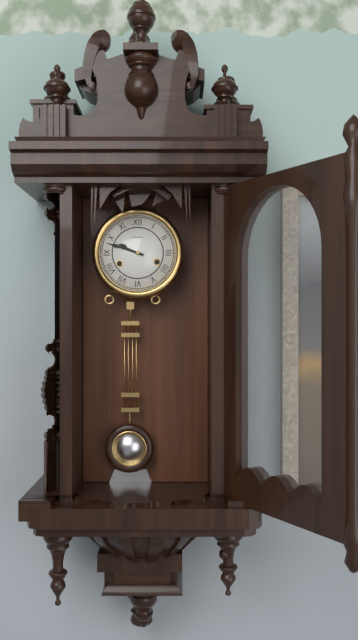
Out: 9:48
